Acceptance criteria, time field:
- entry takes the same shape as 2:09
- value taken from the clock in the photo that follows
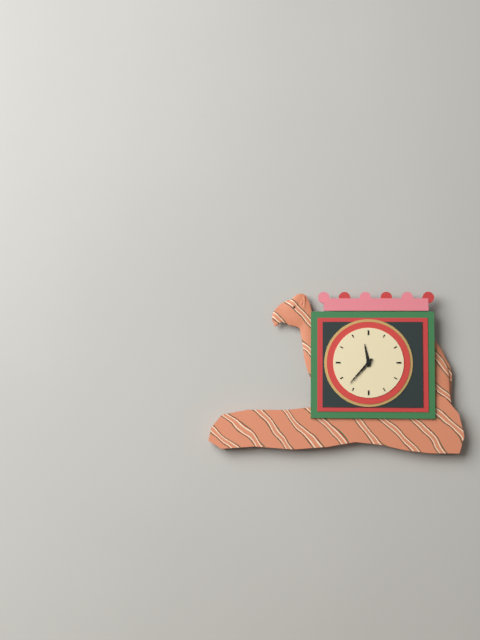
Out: 11:37
